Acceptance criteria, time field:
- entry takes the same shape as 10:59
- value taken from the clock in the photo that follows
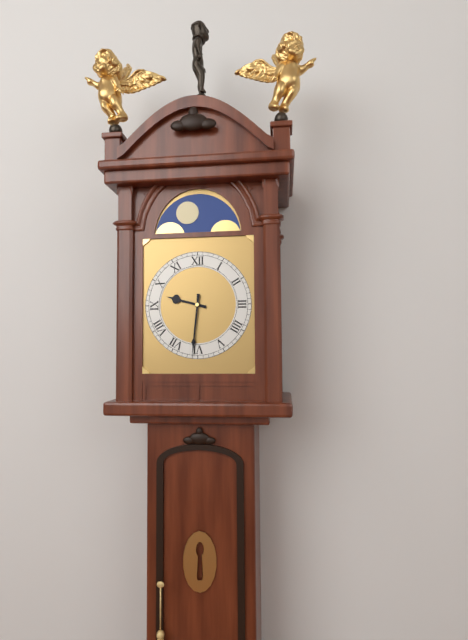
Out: 9:31
